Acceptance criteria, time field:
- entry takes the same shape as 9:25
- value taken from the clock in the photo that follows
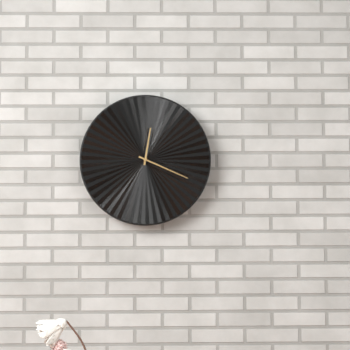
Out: 12:19
